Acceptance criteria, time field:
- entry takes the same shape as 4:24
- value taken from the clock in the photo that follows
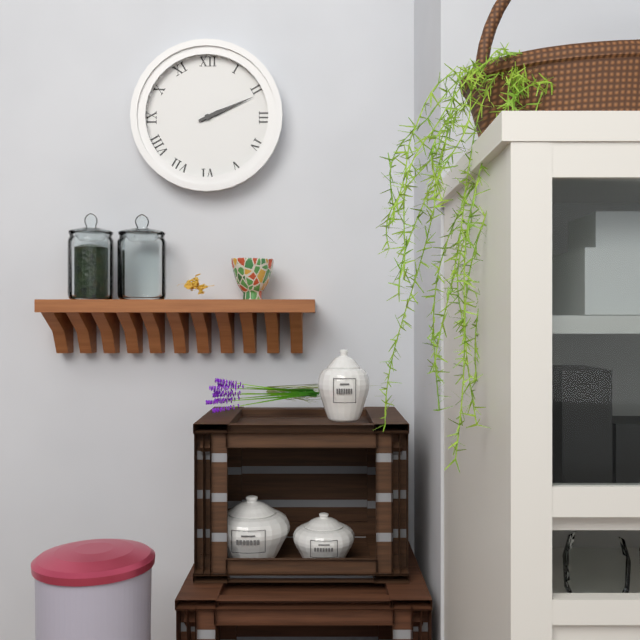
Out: 2:11
